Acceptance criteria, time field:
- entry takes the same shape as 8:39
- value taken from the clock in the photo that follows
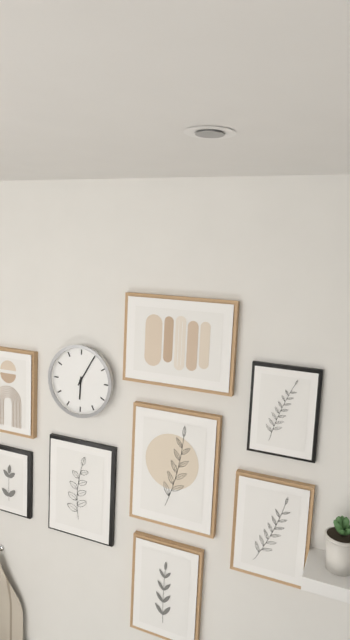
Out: 6:05
